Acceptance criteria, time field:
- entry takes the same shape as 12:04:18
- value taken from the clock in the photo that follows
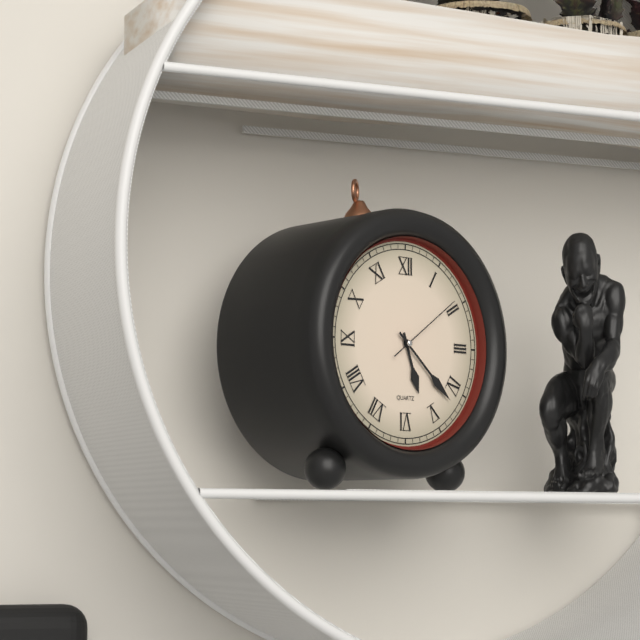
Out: 5:22:09
